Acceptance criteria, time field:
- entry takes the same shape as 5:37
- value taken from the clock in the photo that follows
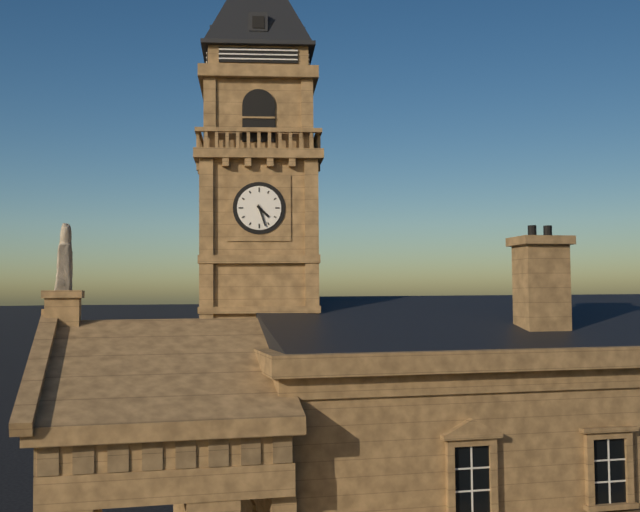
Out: 4:27
